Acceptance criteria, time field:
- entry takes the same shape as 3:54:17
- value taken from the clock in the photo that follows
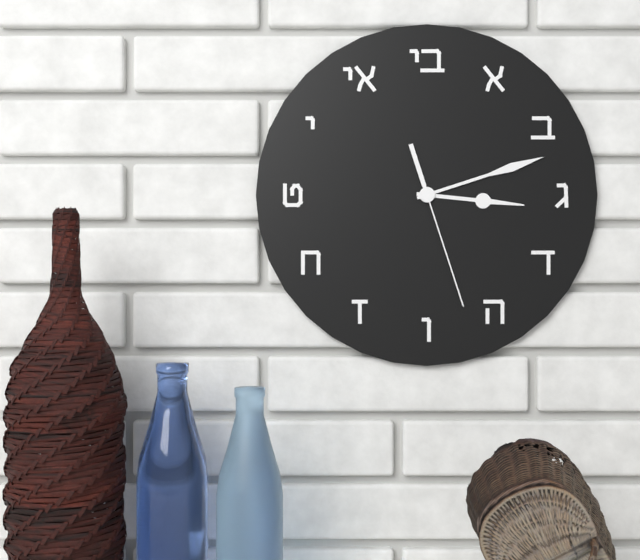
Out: 3:12:27
